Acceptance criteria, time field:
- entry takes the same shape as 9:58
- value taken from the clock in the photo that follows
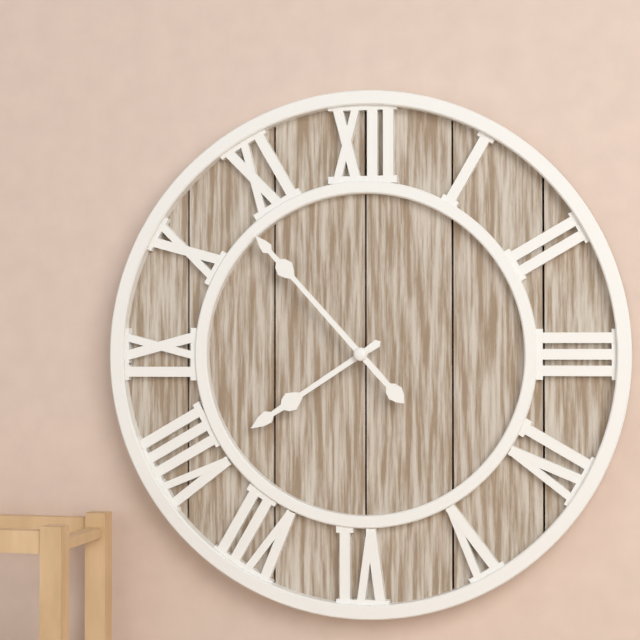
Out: 7:53
